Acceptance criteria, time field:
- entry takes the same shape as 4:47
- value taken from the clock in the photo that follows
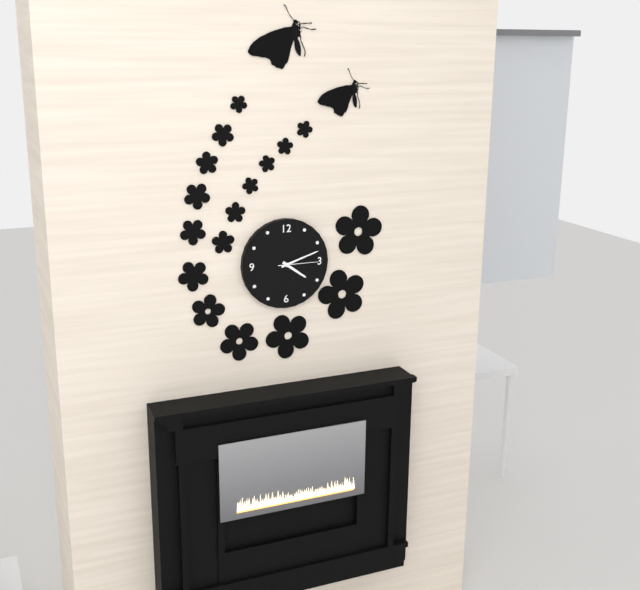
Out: 4:12
